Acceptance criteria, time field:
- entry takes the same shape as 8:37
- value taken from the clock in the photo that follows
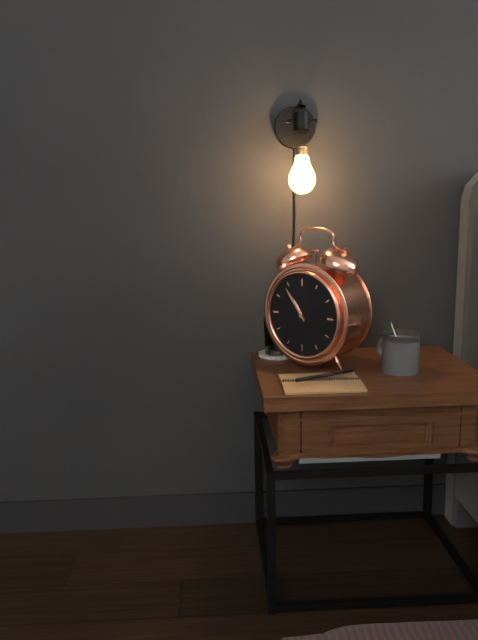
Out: 10:54
